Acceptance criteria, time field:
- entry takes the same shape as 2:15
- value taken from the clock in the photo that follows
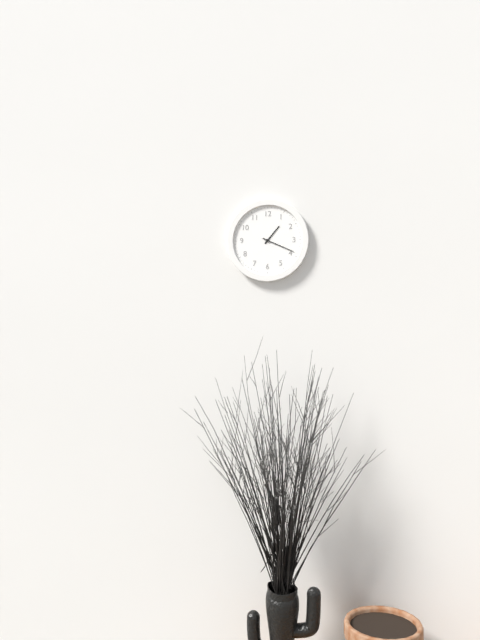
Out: 1:19
